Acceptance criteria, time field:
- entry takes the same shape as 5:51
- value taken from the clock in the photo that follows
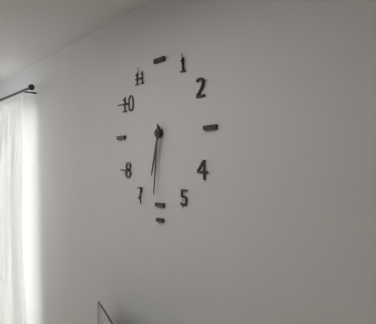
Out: 6:31
